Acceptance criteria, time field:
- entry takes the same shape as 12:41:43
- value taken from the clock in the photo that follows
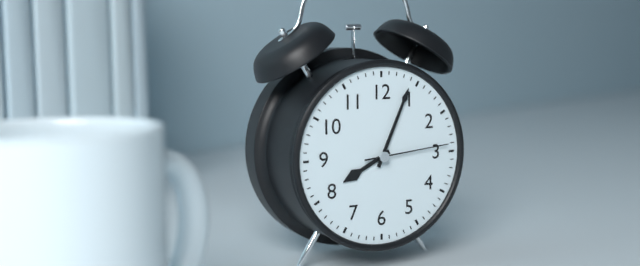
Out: 8:04:14
